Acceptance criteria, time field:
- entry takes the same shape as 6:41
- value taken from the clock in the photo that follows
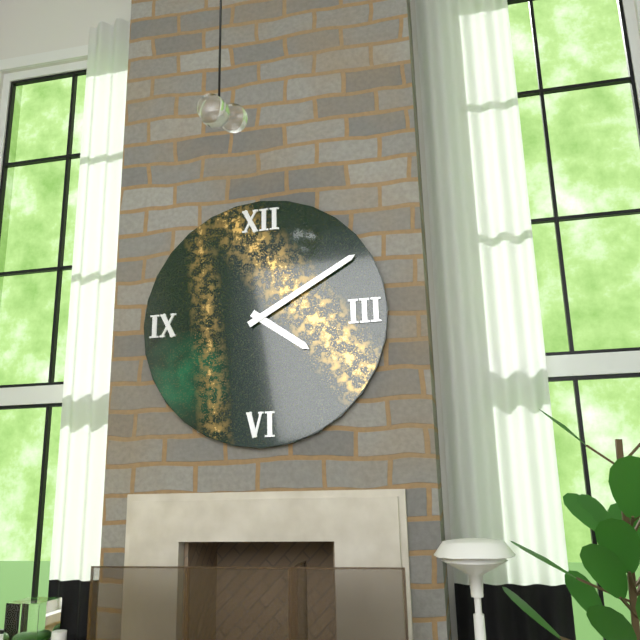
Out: 4:10
